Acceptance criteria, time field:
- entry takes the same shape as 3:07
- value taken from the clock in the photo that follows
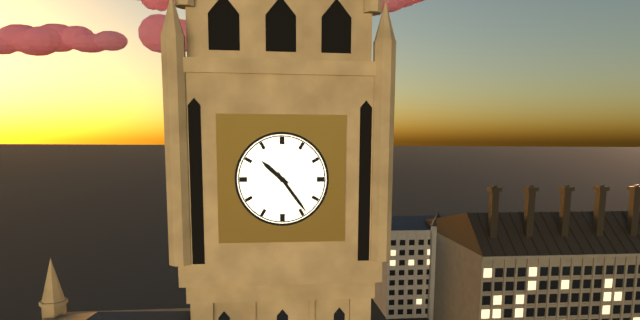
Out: 10:24
